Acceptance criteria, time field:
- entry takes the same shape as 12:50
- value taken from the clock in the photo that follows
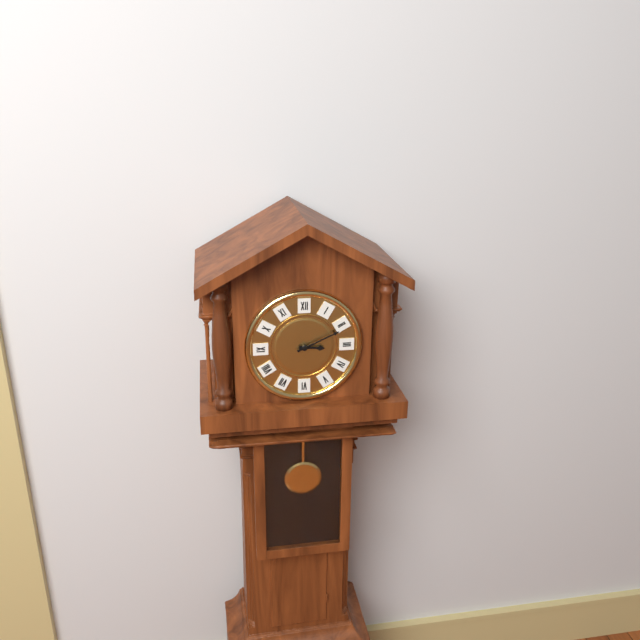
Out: 3:11
